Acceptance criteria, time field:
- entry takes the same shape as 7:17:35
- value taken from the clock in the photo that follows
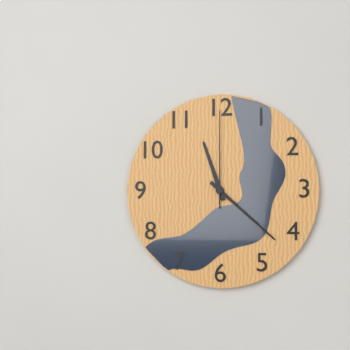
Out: 11:22:00
